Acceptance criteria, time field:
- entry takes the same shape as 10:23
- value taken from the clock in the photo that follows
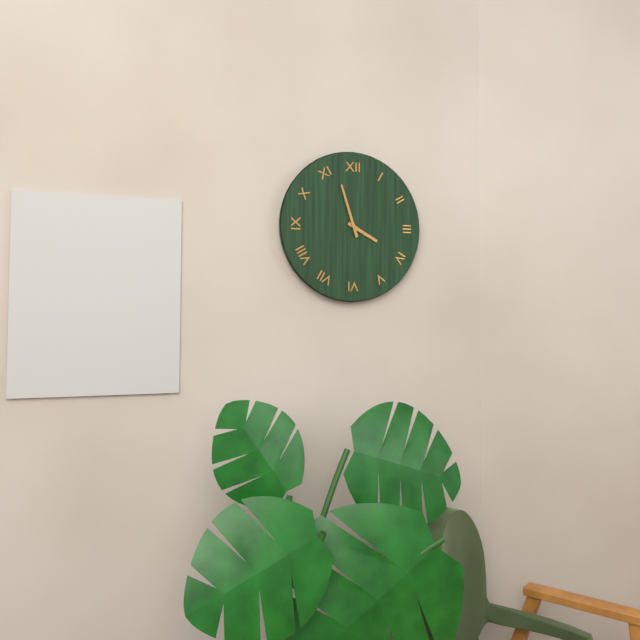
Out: 3:57
